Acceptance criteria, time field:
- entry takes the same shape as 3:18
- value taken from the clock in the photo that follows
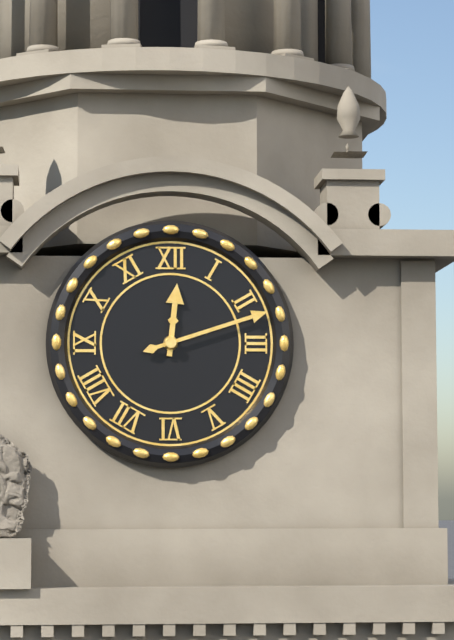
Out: 12:12
